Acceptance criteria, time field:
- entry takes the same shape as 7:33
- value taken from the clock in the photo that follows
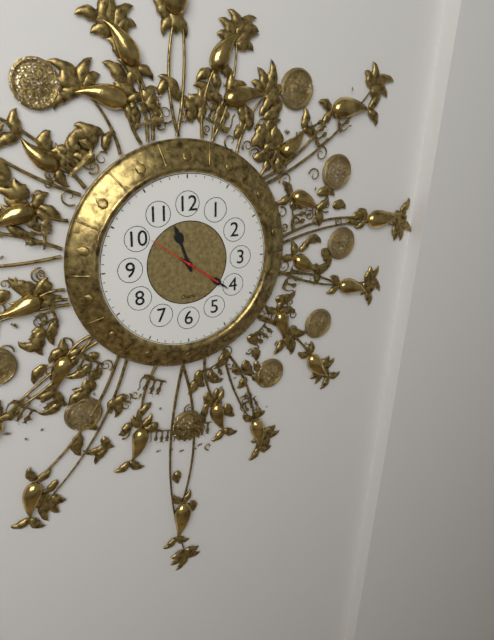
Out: 11:21
